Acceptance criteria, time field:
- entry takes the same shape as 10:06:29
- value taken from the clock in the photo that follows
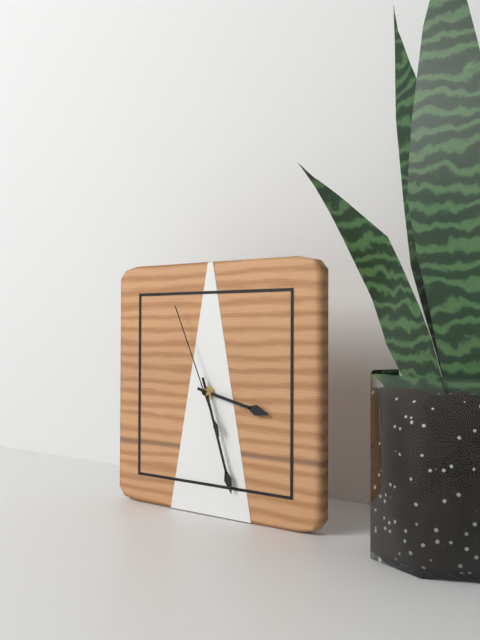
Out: 3:27:56
